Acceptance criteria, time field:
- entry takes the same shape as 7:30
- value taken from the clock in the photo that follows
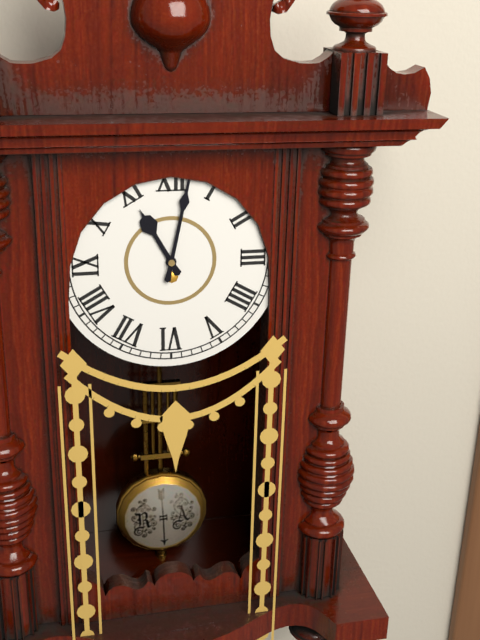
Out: 11:02
